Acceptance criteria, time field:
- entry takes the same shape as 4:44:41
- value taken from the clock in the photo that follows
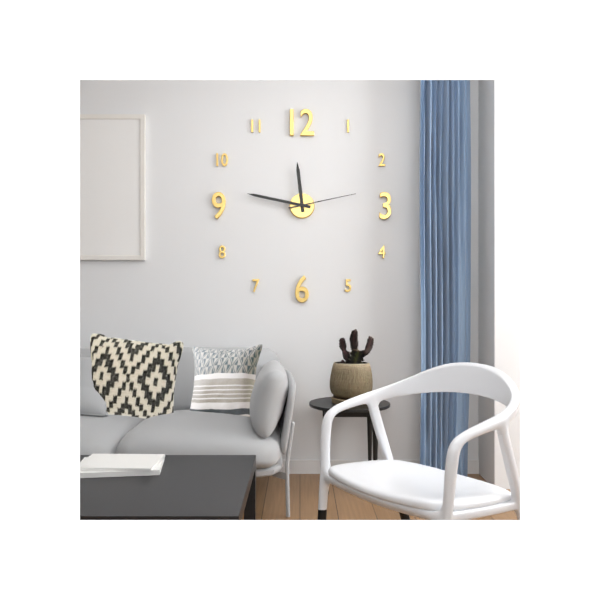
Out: 11:47:13
